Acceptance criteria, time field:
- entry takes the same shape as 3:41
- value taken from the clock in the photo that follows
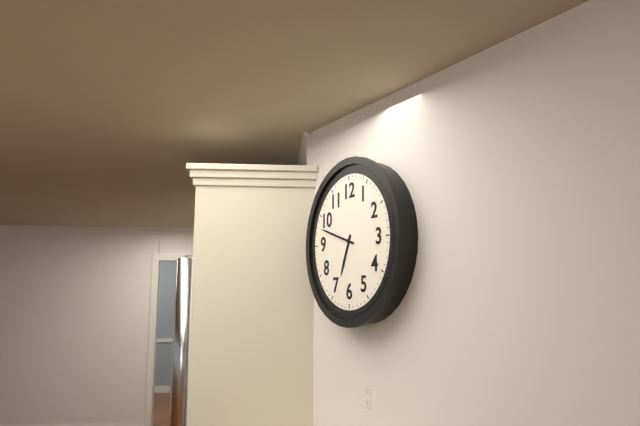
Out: 6:48
